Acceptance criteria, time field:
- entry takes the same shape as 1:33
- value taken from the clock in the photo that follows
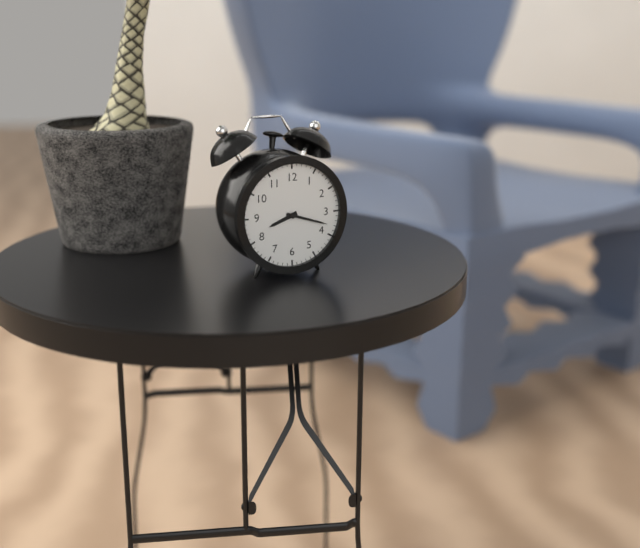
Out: 8:18
